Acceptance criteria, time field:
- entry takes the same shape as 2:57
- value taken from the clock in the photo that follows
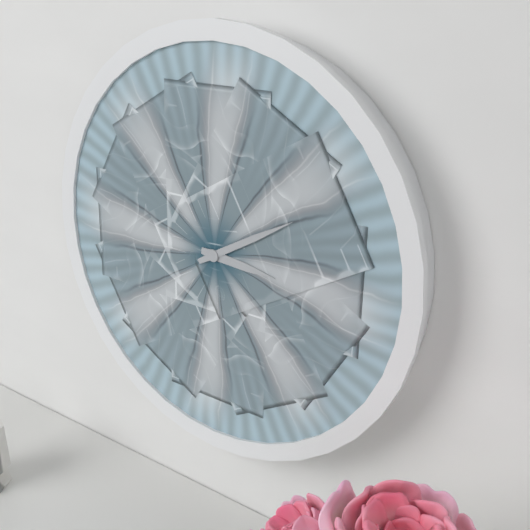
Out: 3:10
